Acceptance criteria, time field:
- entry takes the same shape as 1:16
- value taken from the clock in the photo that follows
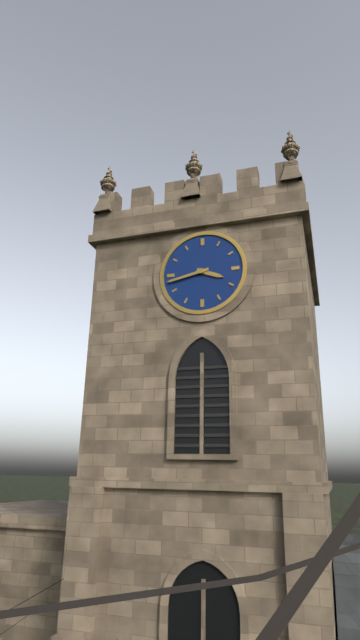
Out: 3:43
